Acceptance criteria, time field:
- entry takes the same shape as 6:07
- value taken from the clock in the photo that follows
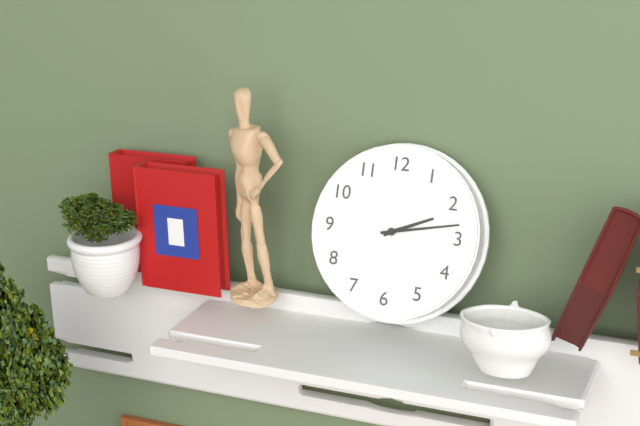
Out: 2:13
